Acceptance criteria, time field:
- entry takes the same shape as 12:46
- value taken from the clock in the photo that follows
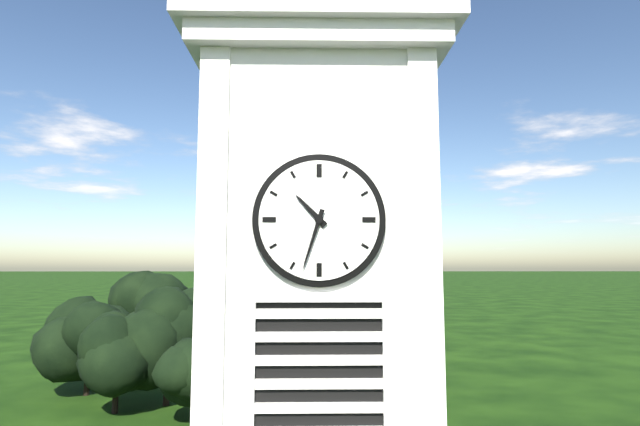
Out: 10:33
